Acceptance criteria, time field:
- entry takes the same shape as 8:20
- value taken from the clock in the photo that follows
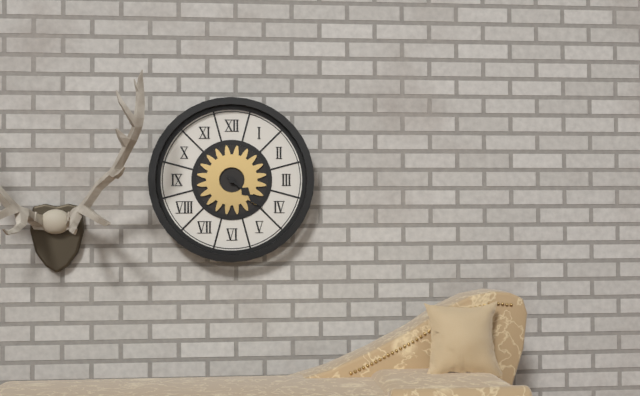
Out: 4:22
